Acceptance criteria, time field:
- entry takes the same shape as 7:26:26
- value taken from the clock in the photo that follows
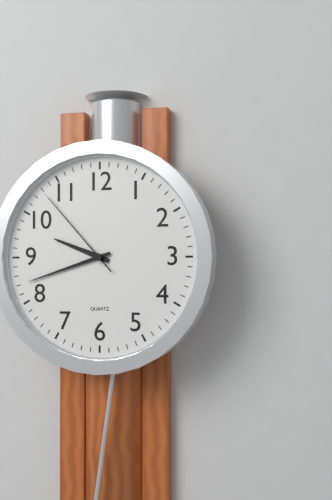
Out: 9:42:53
